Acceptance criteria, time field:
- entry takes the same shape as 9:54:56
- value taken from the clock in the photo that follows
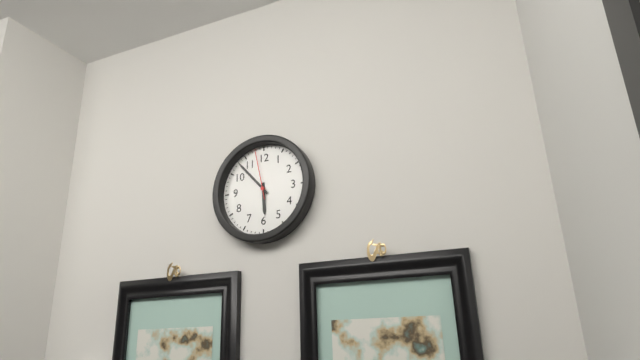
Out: 5:53:58
